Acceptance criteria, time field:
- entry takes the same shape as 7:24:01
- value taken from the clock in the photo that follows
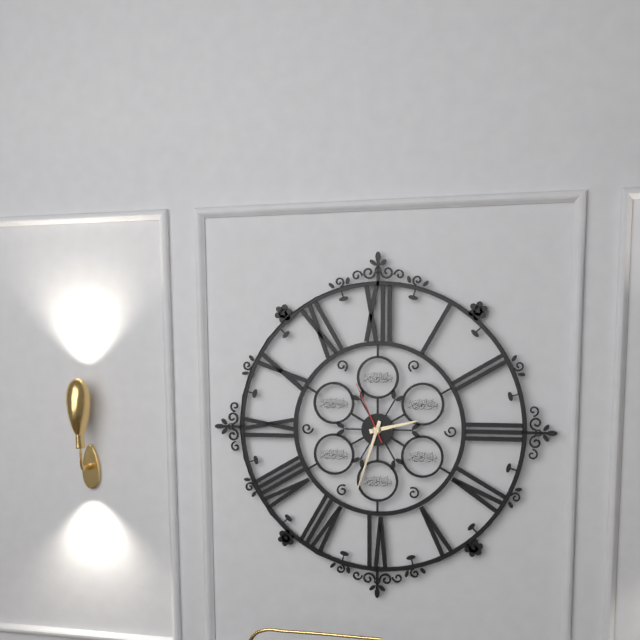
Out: 2:33:56
